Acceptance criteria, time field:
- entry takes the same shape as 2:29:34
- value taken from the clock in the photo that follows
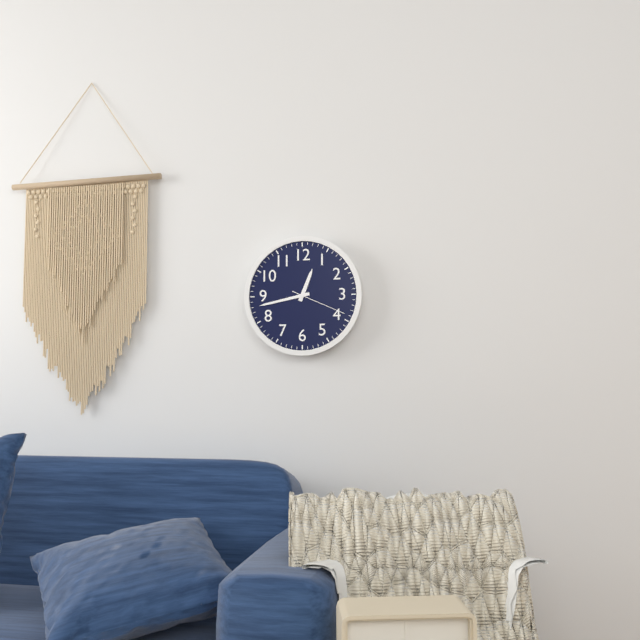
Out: 12:43:19
